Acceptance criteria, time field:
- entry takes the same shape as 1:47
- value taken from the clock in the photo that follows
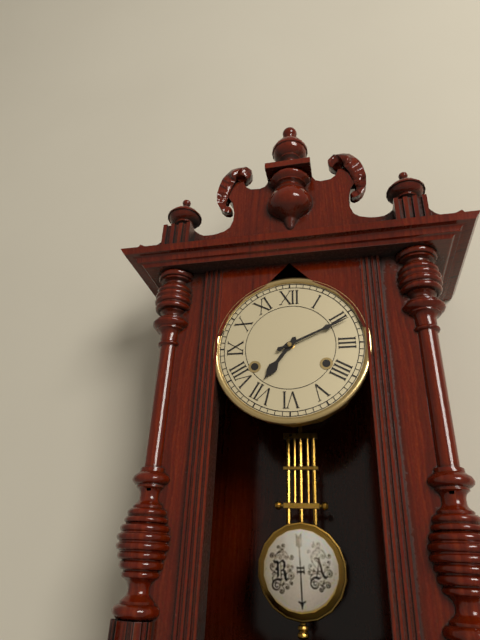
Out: 7:11
